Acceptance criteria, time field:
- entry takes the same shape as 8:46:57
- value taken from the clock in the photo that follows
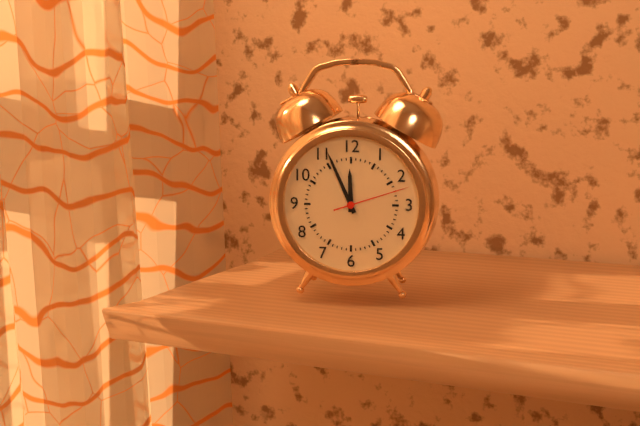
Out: 11:56:12
